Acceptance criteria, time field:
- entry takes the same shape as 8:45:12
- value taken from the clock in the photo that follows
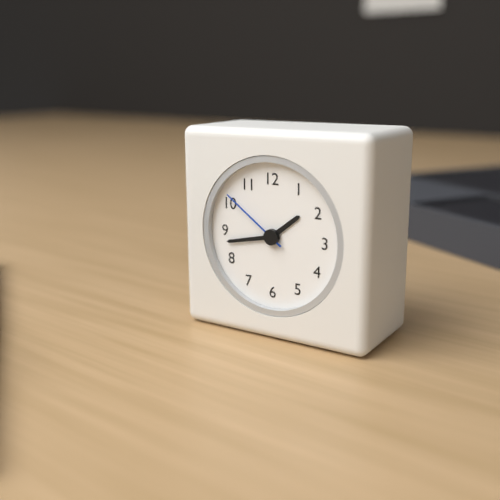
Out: 1:43:51
